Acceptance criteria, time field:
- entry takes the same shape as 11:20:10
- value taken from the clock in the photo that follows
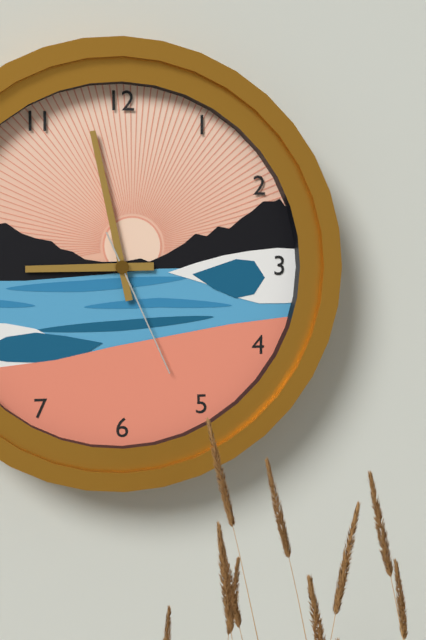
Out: 8:58:26
